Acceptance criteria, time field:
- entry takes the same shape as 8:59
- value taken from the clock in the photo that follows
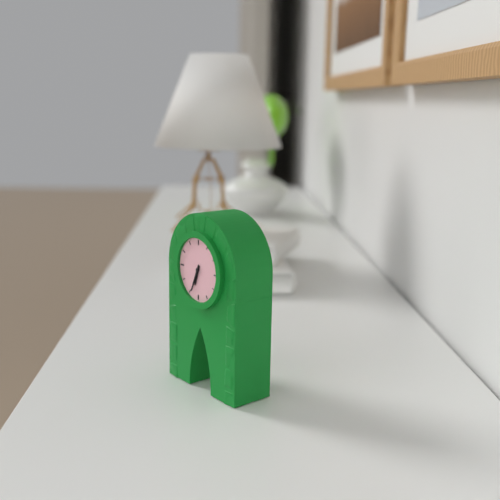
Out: 6:34
